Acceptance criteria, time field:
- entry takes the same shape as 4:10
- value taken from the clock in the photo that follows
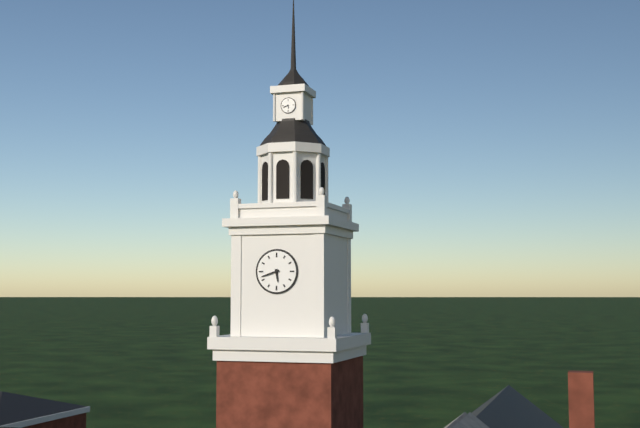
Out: 5:42
